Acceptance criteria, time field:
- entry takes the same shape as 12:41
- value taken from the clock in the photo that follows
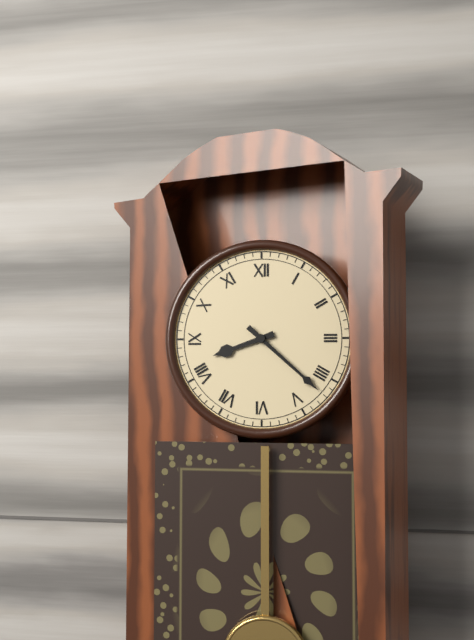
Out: 8:22
